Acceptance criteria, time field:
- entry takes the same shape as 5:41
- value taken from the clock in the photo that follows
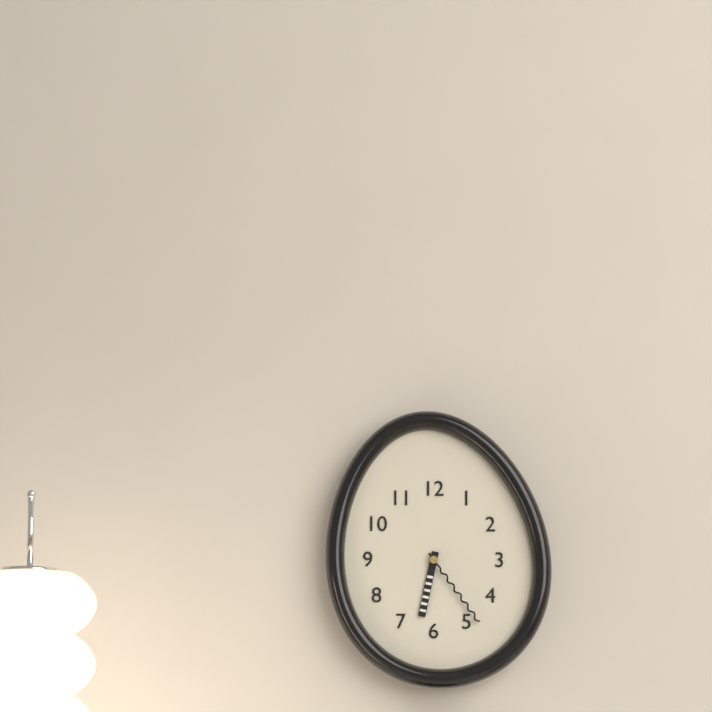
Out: 6:24
